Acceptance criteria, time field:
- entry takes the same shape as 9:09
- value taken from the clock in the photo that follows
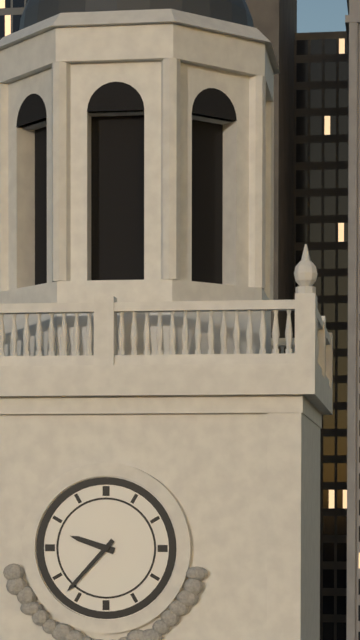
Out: 9:37
